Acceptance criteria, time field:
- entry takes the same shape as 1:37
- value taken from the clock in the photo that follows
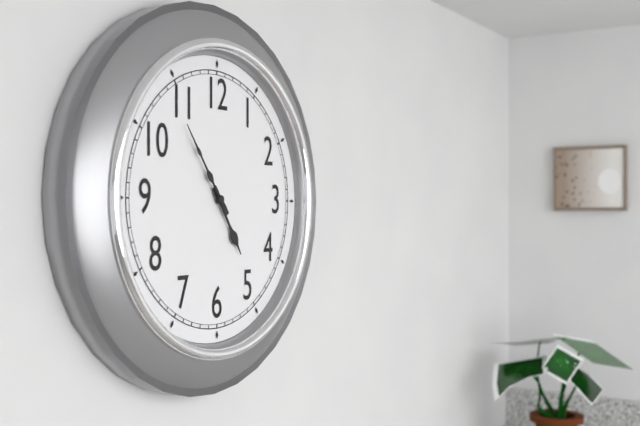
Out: 4:54
